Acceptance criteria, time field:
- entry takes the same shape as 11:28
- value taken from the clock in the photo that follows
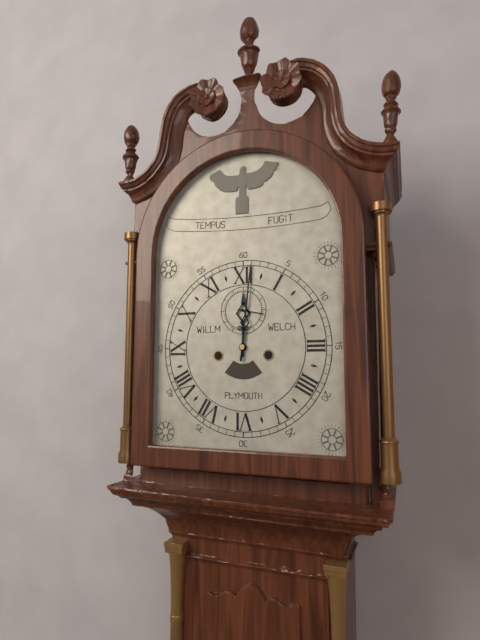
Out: 12:01
